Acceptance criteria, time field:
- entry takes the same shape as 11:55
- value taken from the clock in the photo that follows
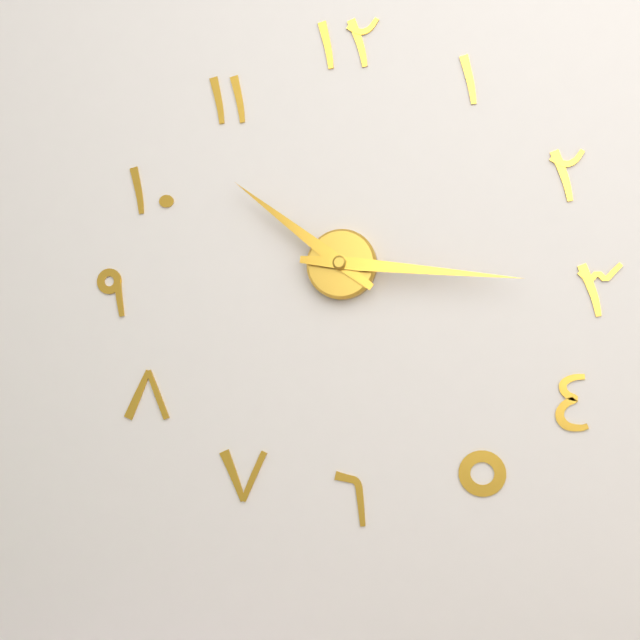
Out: 10:16
